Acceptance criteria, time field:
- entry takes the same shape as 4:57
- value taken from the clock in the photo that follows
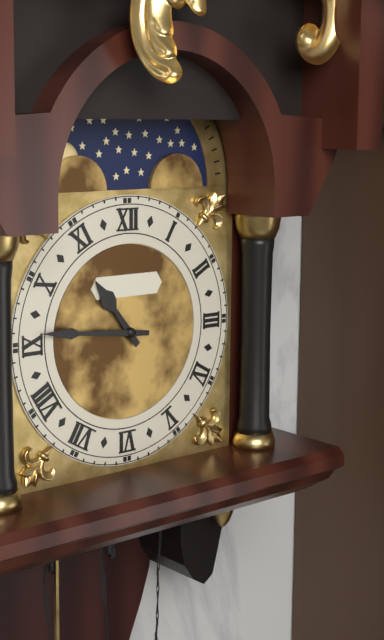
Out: 10:46
